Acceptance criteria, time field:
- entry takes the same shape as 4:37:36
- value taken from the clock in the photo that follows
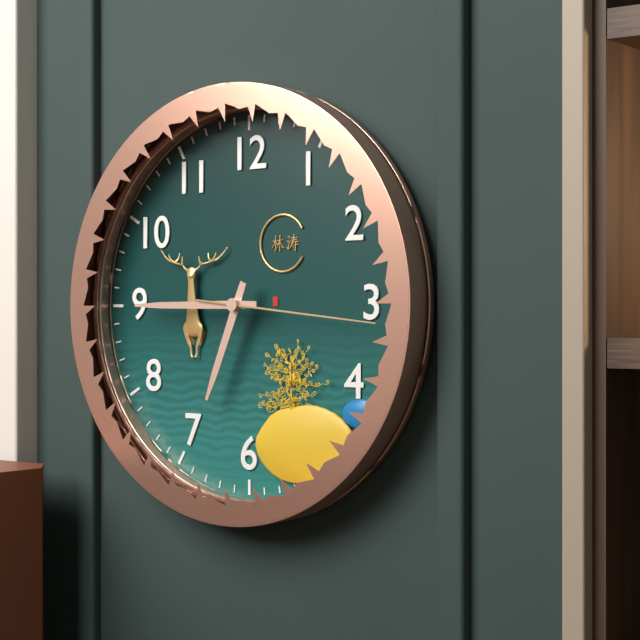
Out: 6:45:16
